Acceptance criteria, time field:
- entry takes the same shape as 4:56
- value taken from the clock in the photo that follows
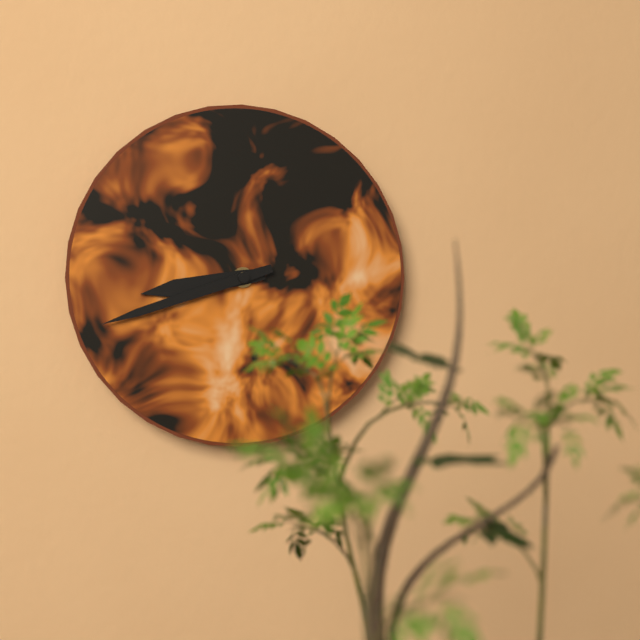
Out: 8:42
